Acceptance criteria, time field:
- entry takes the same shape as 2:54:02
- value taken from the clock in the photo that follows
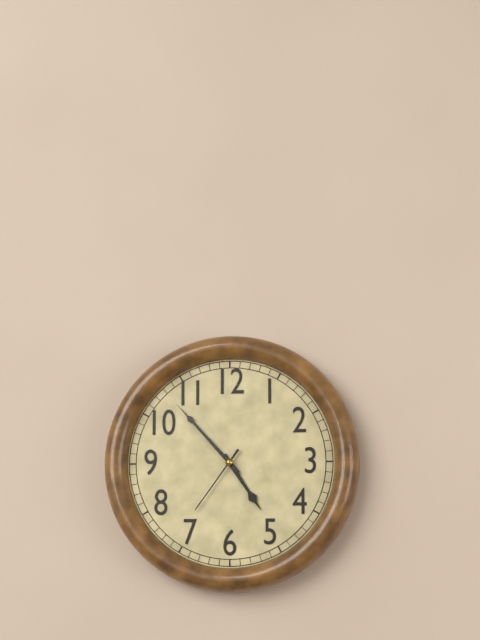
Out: 4:53:36
